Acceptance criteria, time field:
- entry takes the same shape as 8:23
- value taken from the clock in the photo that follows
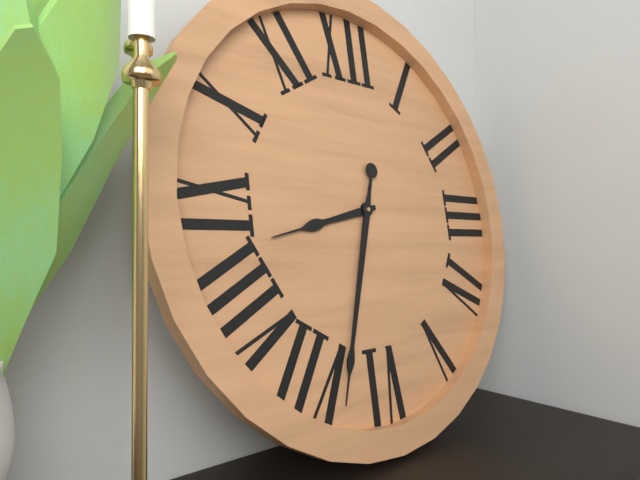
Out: 8:33
